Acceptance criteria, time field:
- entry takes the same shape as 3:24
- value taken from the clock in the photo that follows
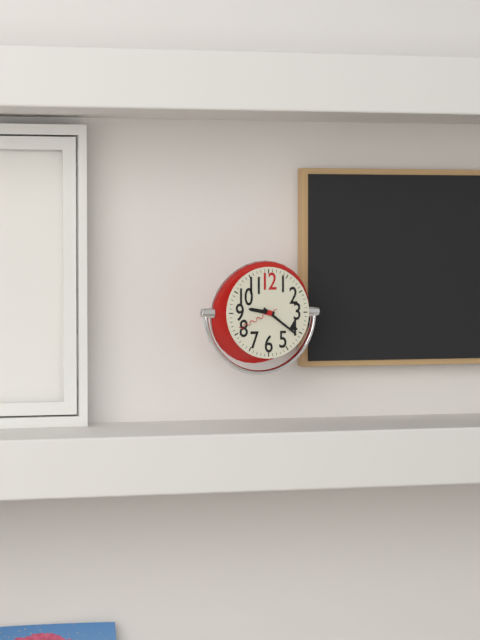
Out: 9:21
